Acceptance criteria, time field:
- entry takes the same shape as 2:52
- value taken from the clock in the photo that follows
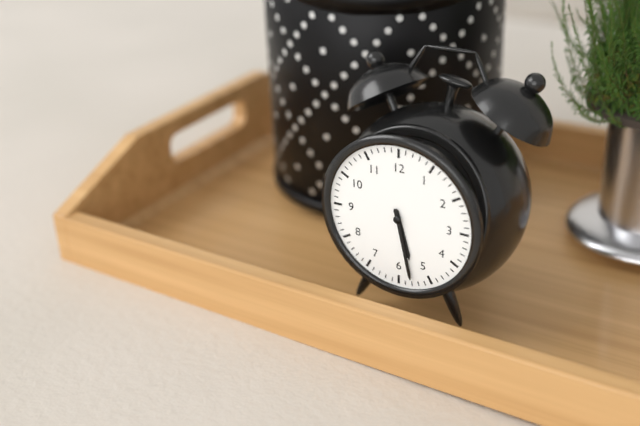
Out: 5:28
